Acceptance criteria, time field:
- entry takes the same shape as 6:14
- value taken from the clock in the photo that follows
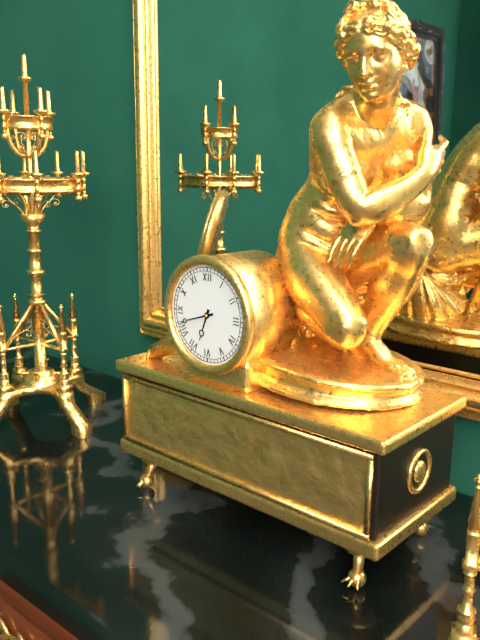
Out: 6:42
